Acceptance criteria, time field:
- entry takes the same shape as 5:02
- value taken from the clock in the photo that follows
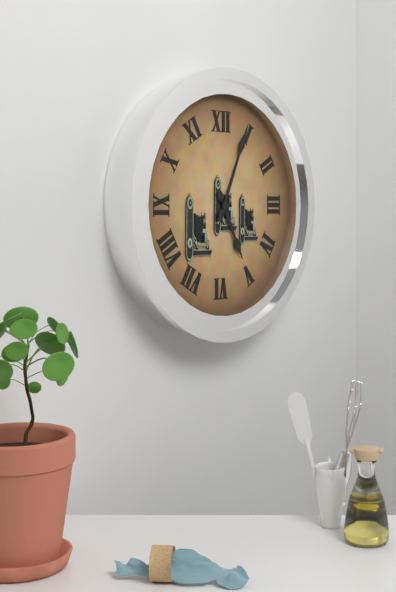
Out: 5:04
